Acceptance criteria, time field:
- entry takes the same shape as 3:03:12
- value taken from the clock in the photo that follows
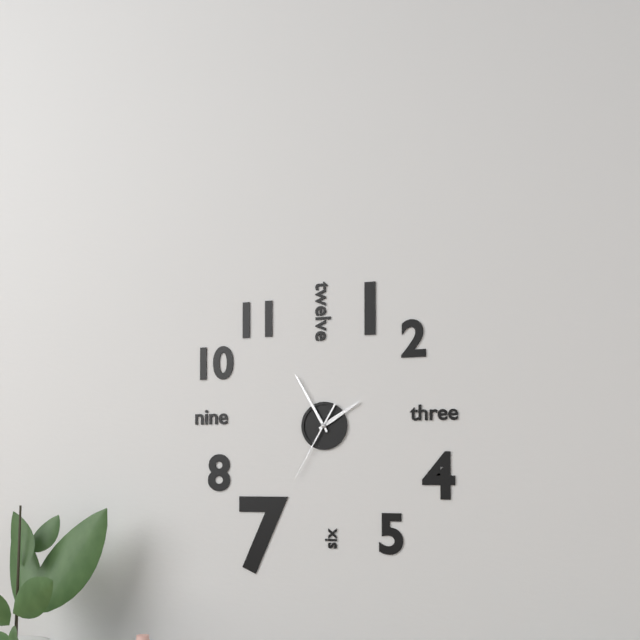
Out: 1:55:35
